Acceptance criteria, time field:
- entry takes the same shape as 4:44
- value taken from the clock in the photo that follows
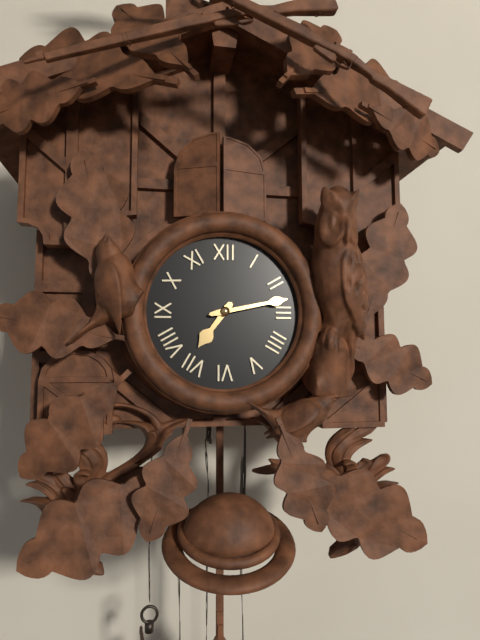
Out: 7:13
